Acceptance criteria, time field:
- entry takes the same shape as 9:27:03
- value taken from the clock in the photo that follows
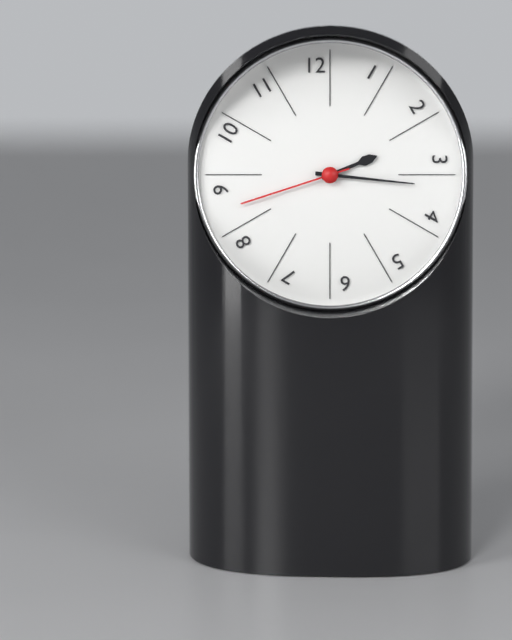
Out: 2:16:42
